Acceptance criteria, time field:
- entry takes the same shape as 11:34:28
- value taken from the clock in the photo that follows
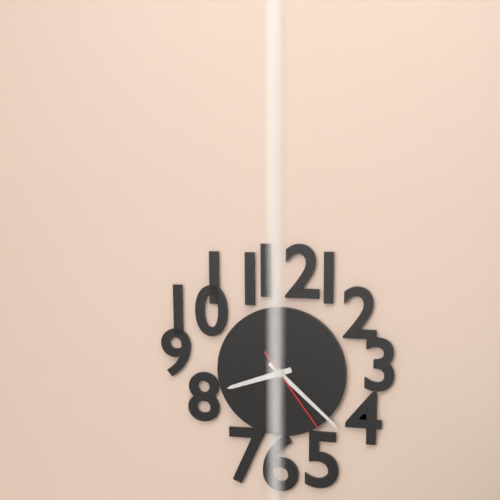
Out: 8:22:24
